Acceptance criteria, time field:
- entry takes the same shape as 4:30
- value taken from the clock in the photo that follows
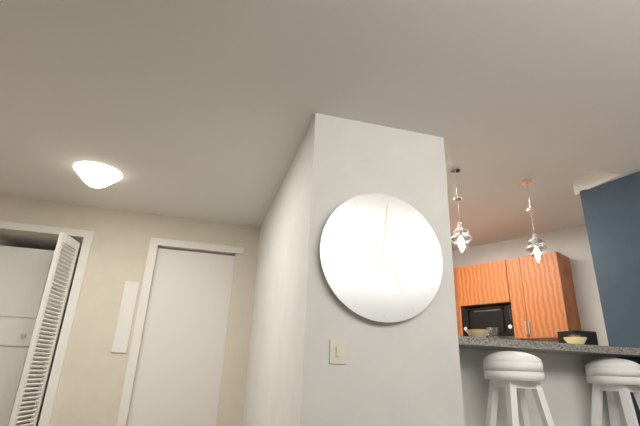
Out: 5:01
